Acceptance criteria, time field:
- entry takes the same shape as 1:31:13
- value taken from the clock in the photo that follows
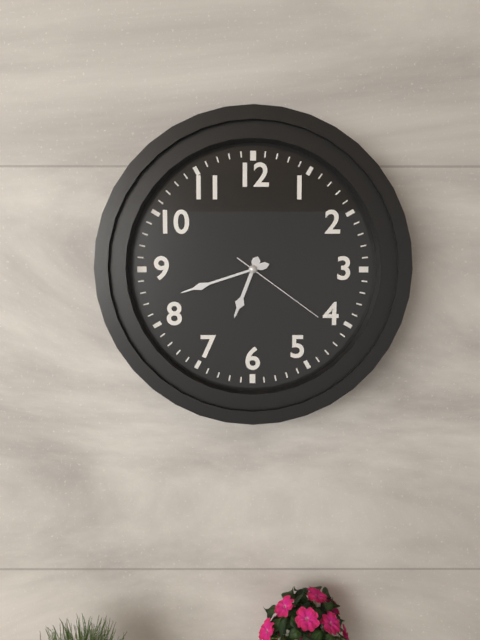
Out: 6:42:21
